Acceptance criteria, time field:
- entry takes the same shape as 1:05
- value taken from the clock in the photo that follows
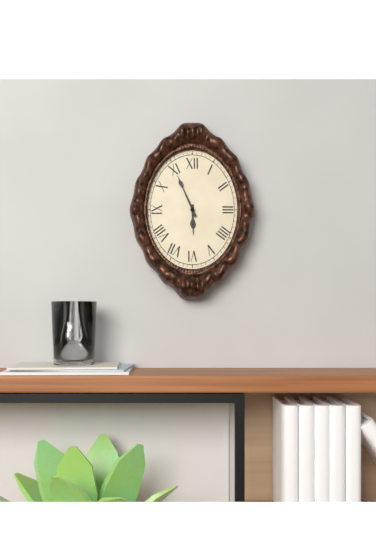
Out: 5:56
